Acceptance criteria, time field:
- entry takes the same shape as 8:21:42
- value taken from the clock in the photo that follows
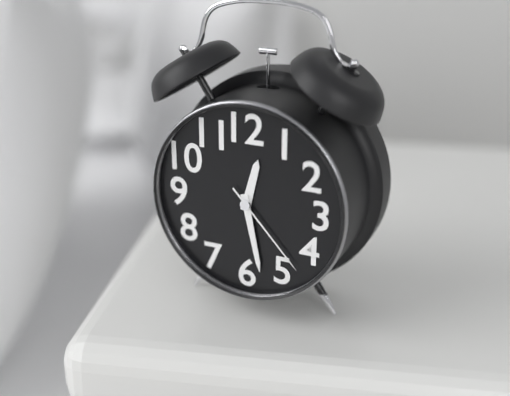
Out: 12:28:23
